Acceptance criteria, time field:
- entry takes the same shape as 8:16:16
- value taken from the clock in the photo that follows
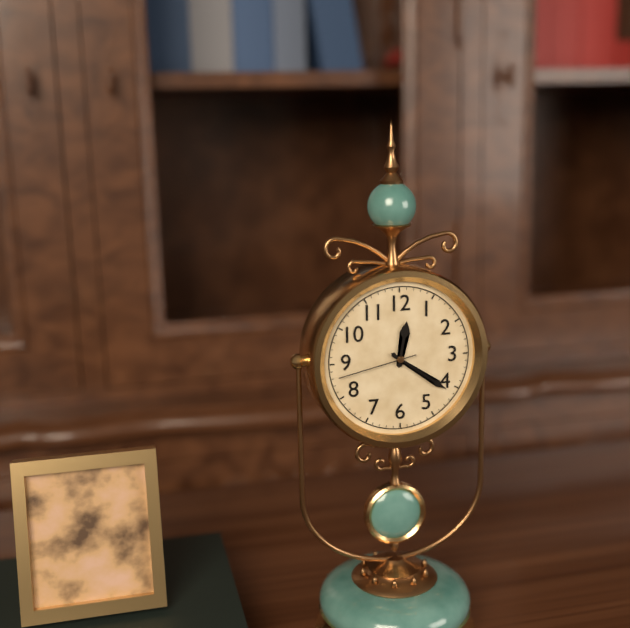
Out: 12:21:43
